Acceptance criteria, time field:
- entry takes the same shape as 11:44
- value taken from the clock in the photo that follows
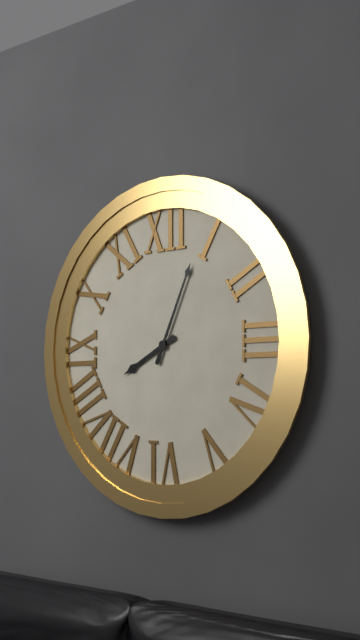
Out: 8:04
